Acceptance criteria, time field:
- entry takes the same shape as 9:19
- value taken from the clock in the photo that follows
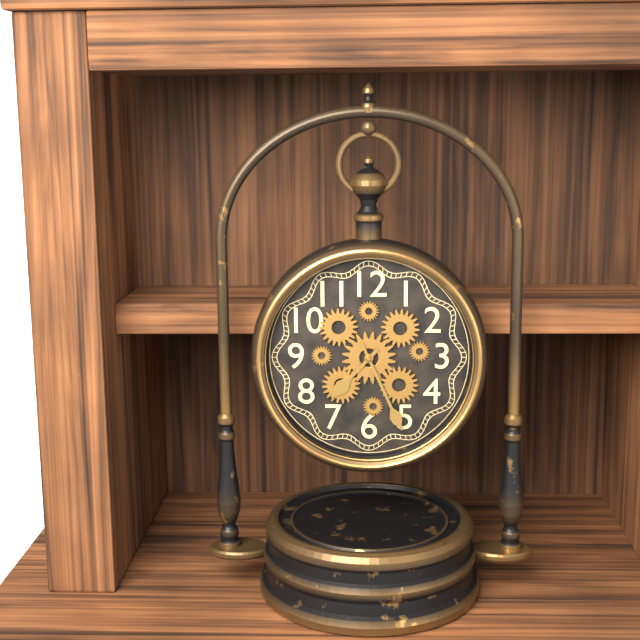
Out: 7:26
